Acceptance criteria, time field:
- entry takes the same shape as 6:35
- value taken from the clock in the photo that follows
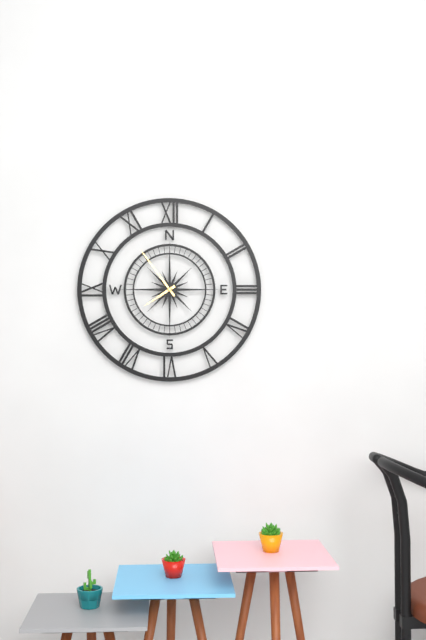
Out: 7:54
